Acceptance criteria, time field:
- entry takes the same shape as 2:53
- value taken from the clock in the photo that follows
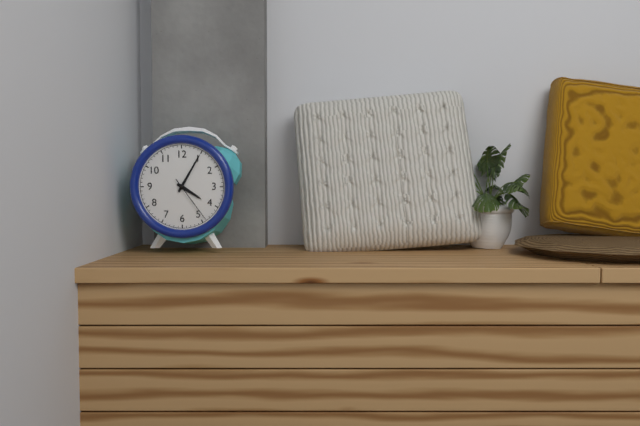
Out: 4:05
